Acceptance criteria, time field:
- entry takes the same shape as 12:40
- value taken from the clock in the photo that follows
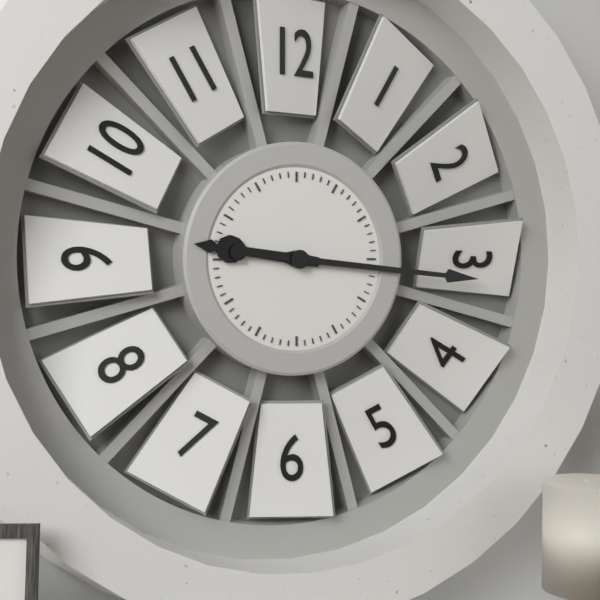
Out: 9:16
